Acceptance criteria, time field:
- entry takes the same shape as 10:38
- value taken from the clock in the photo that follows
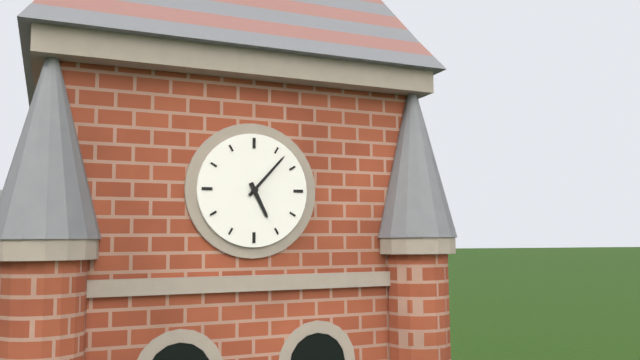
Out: 5:07
